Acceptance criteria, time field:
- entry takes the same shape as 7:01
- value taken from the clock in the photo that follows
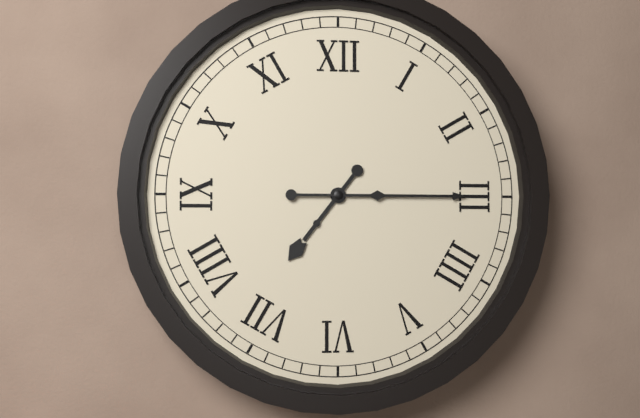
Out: 7:15
